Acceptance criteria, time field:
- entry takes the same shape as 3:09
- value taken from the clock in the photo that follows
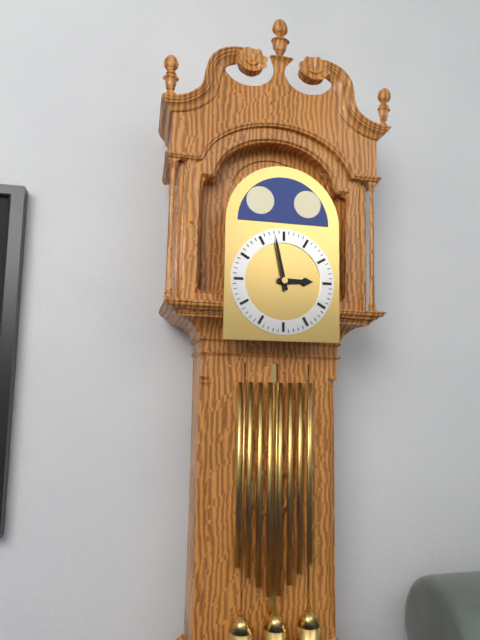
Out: 2:58
